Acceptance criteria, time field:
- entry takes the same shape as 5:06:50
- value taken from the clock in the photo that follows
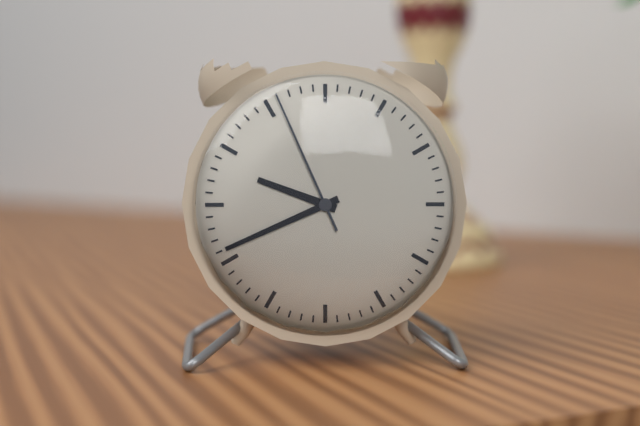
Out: 9:41:56
